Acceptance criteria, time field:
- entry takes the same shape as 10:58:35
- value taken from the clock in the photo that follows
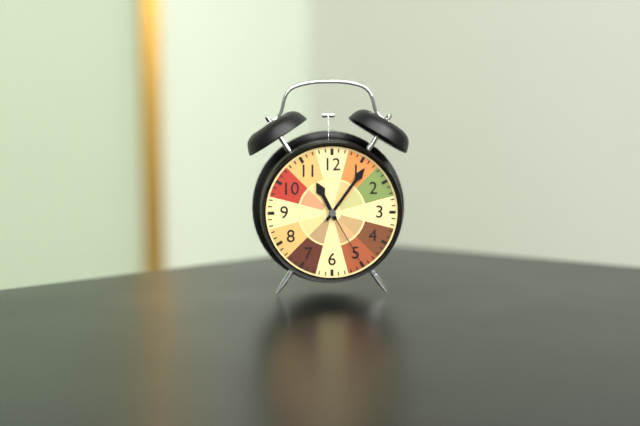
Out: 11:06:25
